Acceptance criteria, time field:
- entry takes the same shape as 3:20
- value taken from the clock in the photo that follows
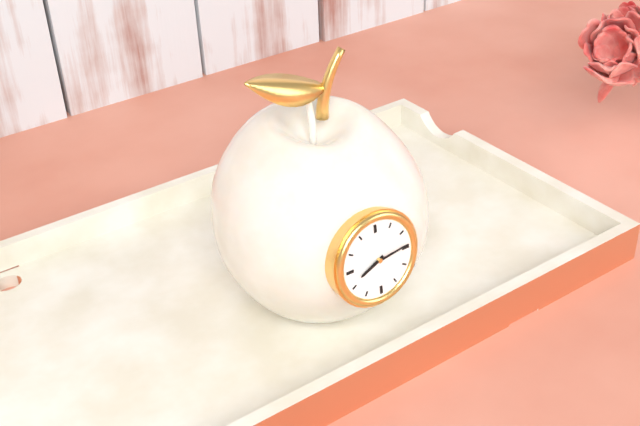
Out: 8:14
